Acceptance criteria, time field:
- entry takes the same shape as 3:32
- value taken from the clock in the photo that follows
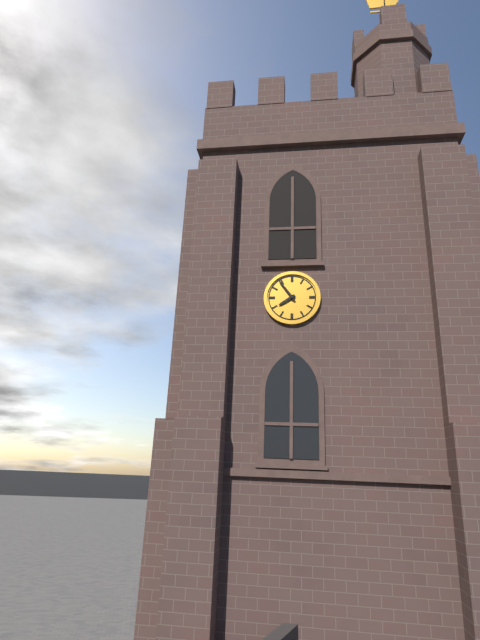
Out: 7:54
